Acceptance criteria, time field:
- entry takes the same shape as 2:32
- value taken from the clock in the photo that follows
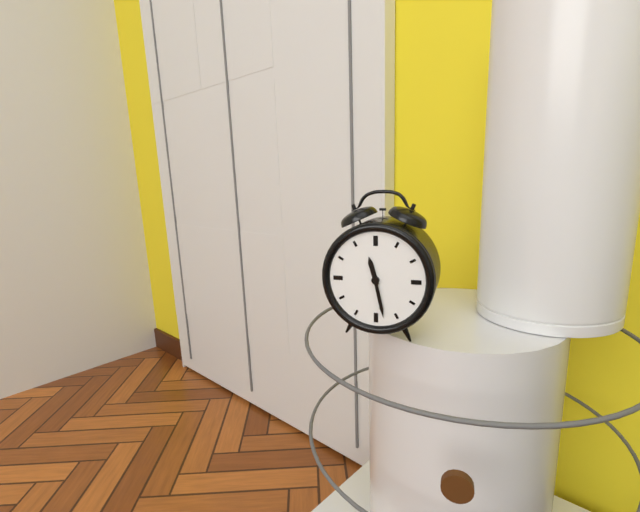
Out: 11:28
